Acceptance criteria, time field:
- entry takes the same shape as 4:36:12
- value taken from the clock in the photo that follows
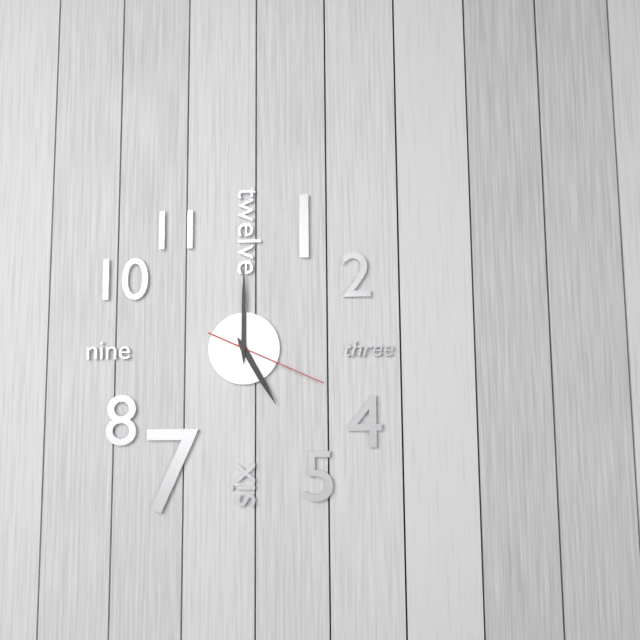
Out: 5:00:19
